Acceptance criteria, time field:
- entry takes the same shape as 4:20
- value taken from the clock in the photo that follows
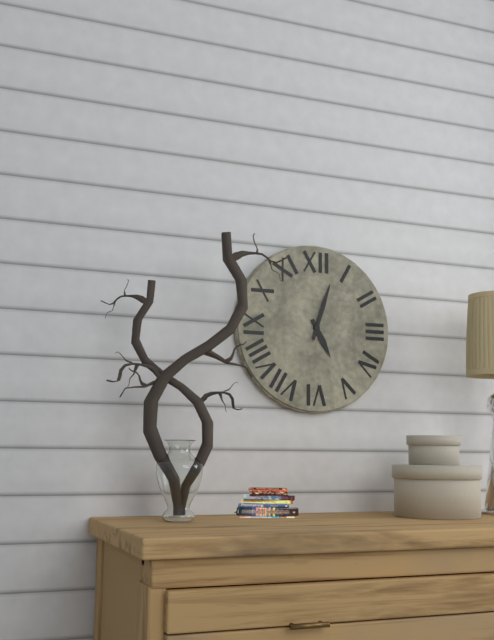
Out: 5:03
